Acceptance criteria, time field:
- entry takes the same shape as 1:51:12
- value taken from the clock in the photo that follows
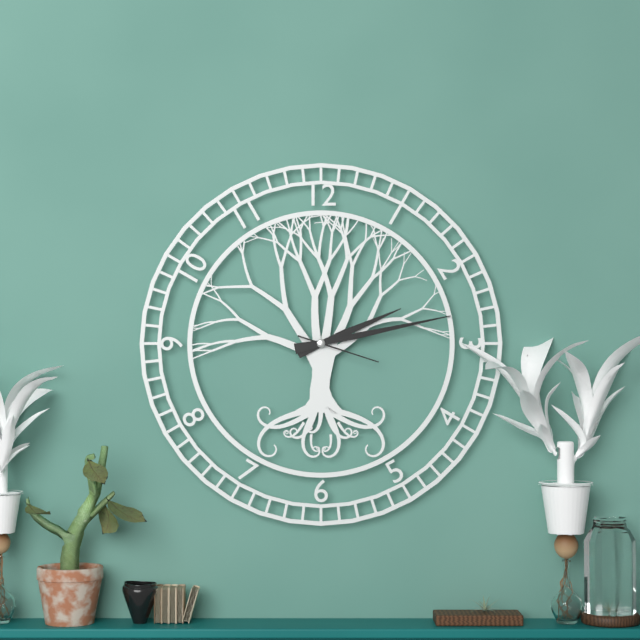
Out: 2:13:18
